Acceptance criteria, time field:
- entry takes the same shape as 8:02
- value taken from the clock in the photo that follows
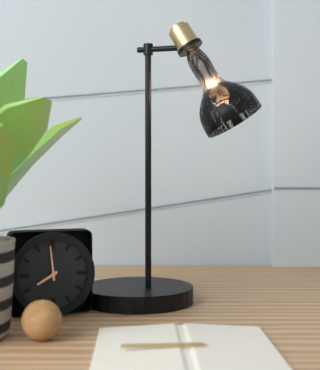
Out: 7:59
